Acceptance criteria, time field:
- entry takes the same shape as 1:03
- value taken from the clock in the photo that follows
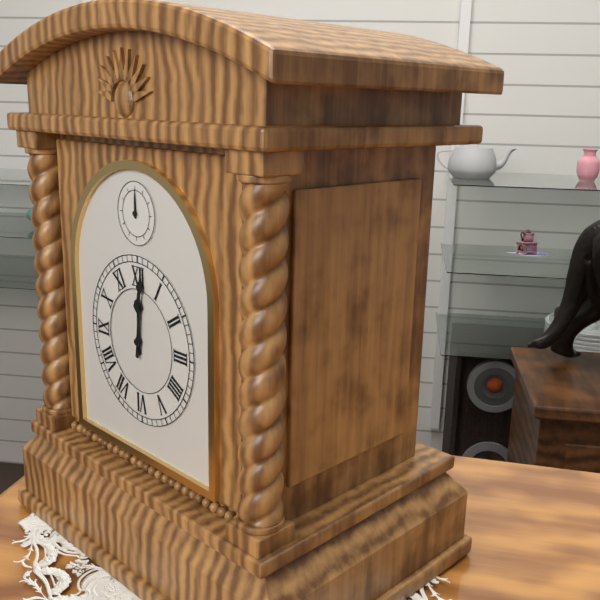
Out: 12:01
